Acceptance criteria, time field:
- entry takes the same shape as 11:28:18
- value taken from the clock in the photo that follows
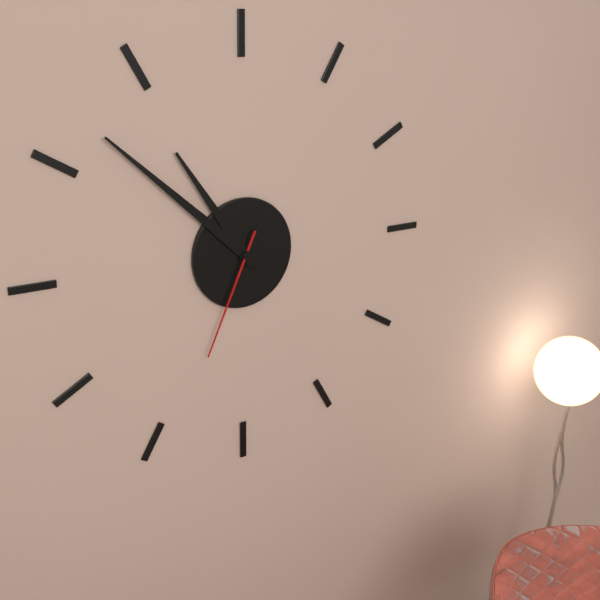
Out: 10:52:34
